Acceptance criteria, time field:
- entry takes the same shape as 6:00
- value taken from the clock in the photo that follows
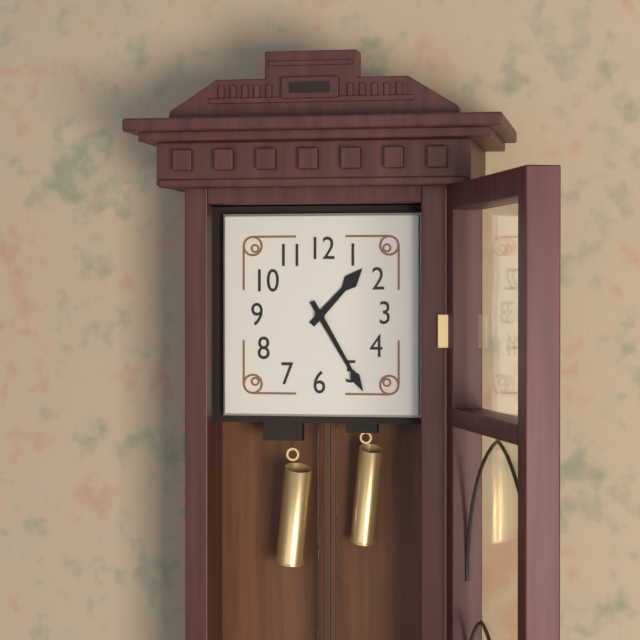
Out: 1:25
